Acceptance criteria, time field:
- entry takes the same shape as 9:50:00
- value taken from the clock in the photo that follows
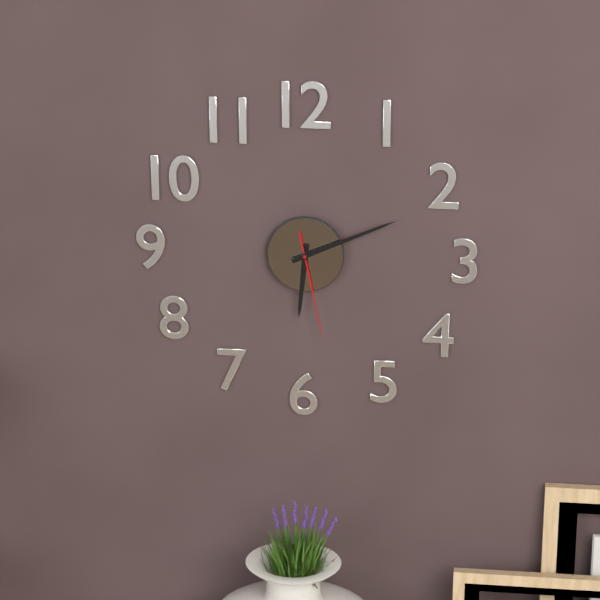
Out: 6:11:28
